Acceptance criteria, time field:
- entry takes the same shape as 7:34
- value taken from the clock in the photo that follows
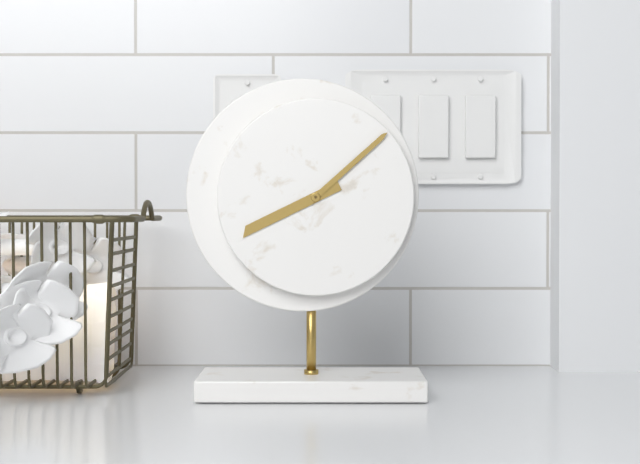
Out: 8:08
